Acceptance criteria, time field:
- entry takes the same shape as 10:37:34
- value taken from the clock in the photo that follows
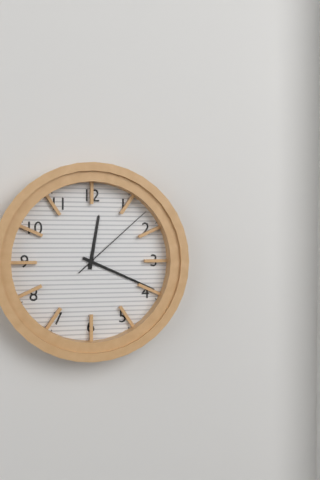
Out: 12:19:08
